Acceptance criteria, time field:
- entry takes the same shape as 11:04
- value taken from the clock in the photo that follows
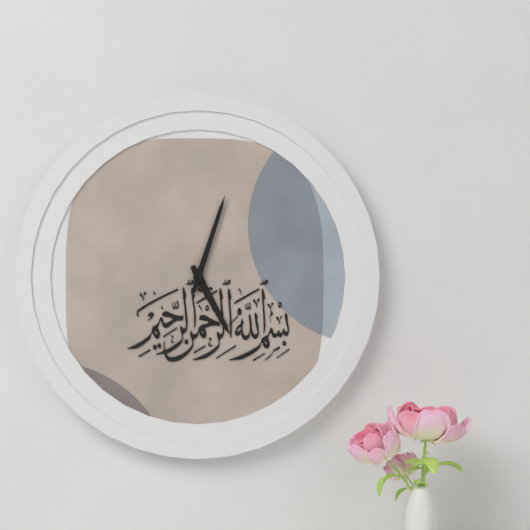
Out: 5:03
